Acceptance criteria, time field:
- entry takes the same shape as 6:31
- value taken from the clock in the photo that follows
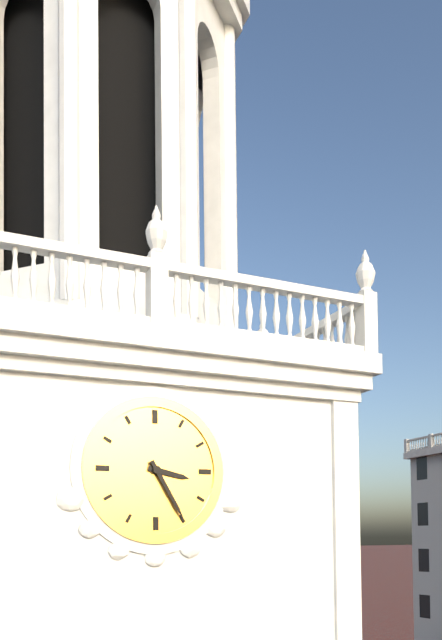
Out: 3:25
